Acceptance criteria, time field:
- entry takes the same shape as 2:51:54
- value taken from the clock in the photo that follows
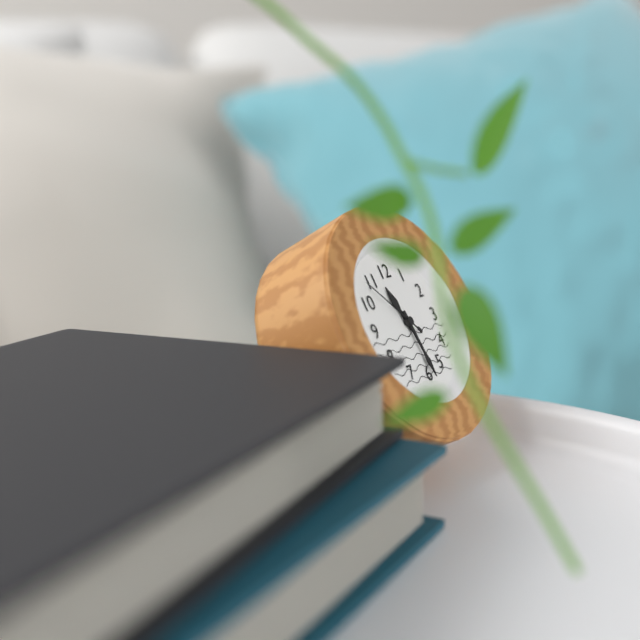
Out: 11:29:53
